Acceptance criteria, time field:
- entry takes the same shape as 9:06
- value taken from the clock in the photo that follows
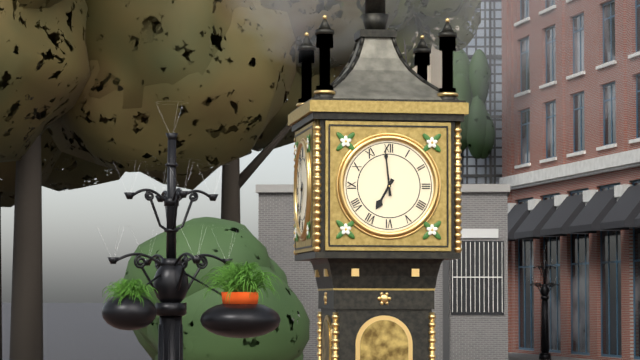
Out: 6:59
